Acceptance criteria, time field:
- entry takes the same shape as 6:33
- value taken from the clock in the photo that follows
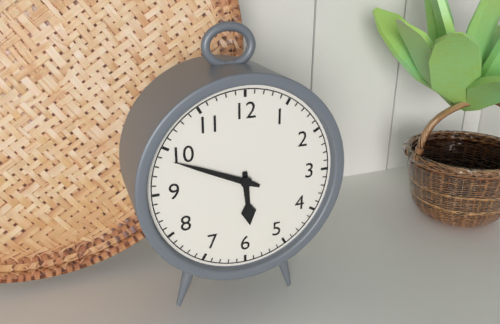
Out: 5:49
